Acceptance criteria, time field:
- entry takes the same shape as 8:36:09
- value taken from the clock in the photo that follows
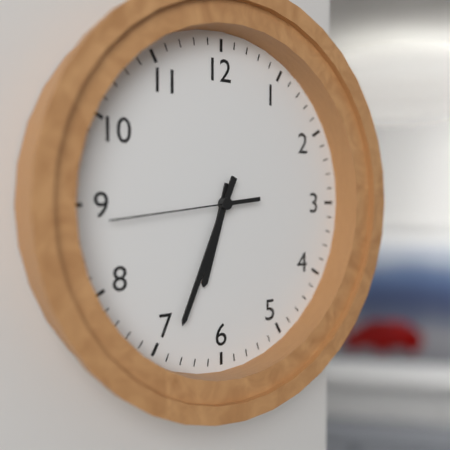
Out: 6:34:44
